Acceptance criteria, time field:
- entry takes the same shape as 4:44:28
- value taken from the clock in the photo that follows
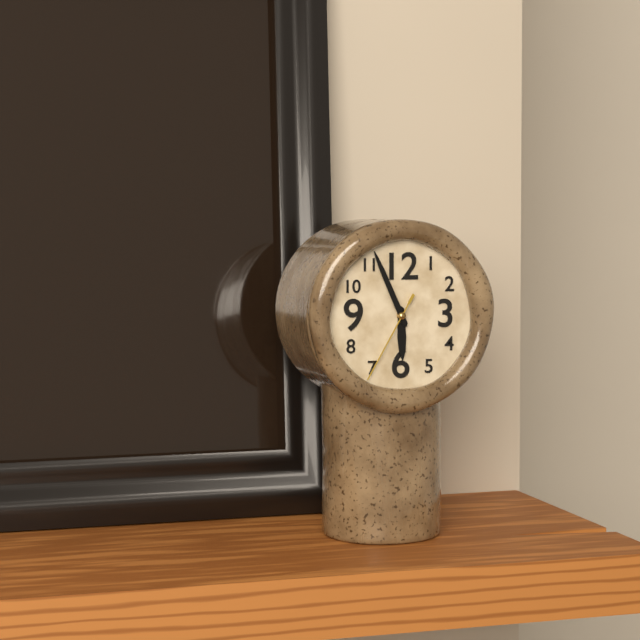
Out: 5:56:35
